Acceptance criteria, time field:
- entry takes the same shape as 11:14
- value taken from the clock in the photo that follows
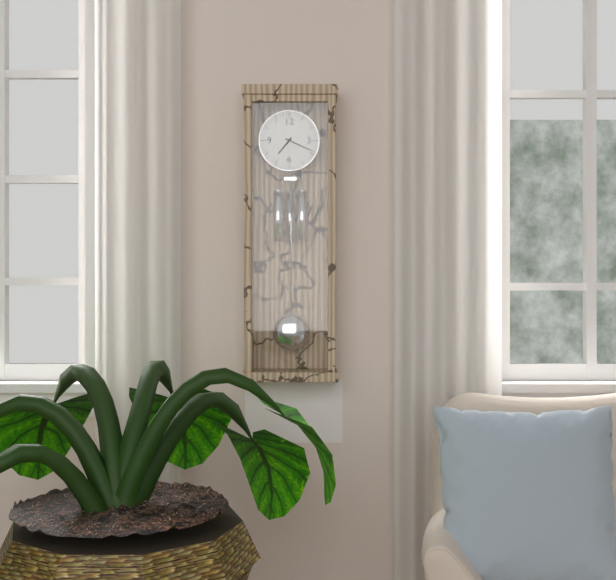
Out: 7:19
